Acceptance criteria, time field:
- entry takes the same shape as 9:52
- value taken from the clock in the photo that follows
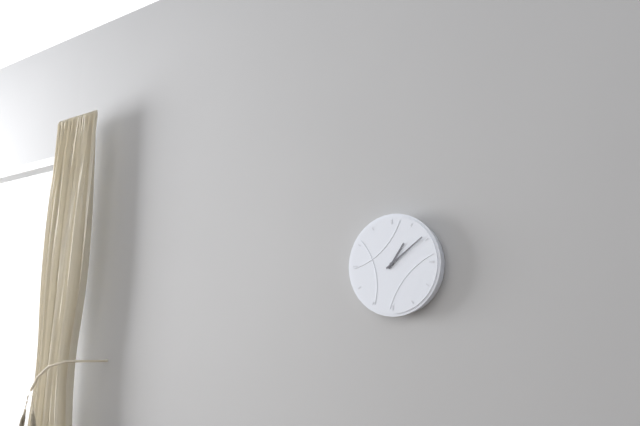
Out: 1:09
